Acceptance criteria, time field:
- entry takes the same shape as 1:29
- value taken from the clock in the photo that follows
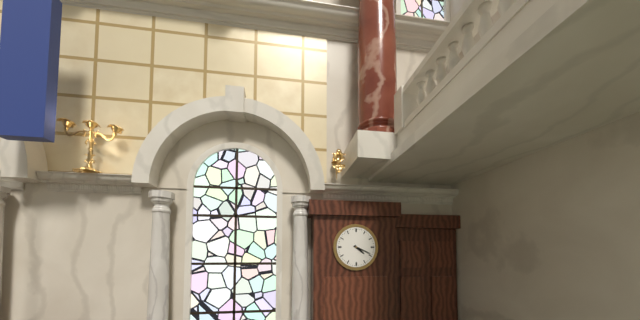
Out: 4:19
